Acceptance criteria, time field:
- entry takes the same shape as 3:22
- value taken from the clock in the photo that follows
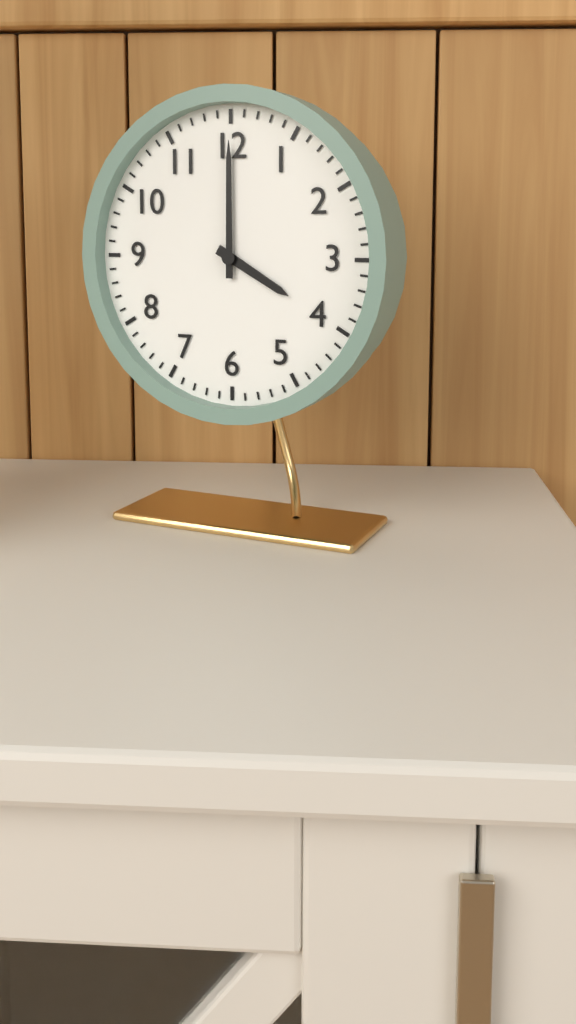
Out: 4:00
